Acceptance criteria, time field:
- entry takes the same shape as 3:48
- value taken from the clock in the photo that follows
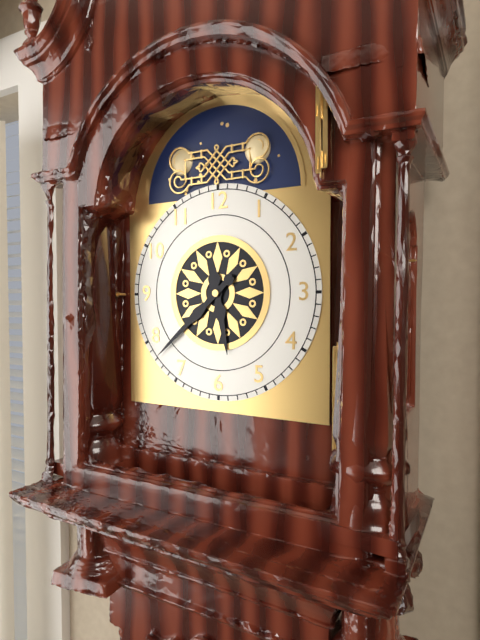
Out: 5:38
